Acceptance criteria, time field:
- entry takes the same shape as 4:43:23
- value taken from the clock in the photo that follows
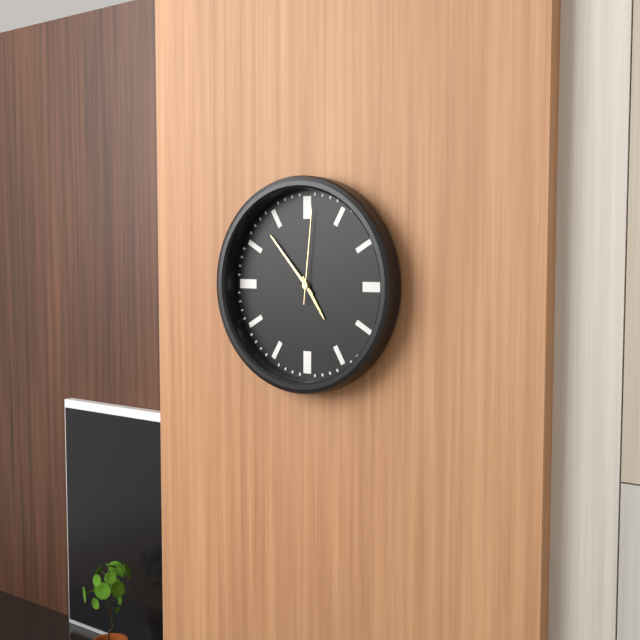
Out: 4:53:01
